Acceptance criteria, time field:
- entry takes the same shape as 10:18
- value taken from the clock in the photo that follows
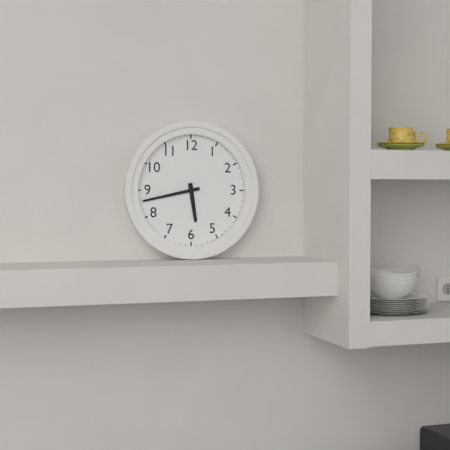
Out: 5:43
